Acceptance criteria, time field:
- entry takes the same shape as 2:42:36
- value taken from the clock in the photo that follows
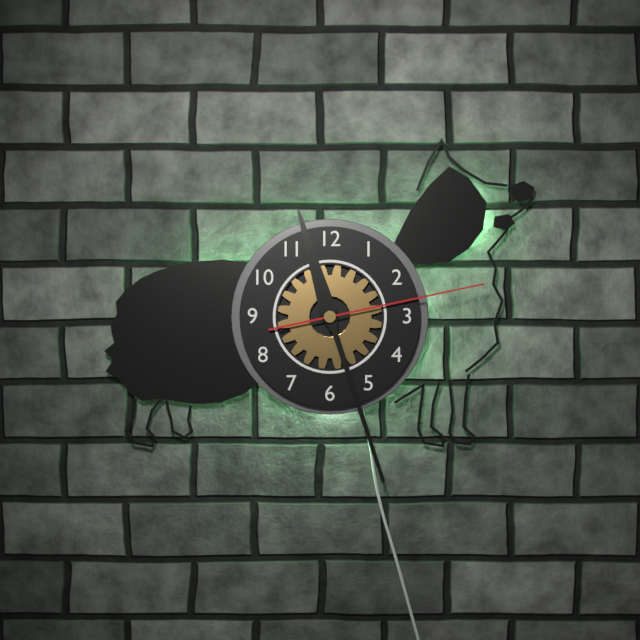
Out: 11:27:13
